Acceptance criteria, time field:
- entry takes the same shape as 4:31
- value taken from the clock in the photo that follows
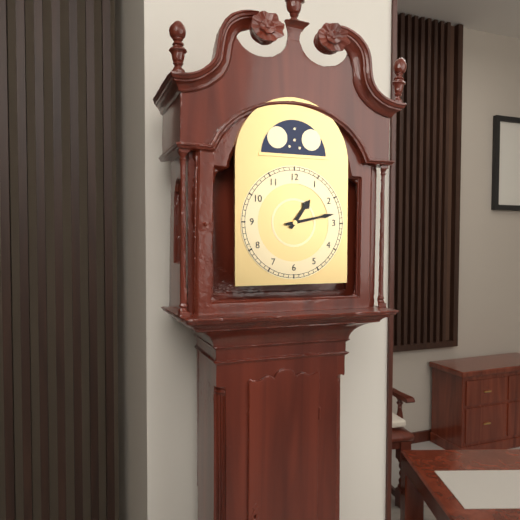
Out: 1:13
